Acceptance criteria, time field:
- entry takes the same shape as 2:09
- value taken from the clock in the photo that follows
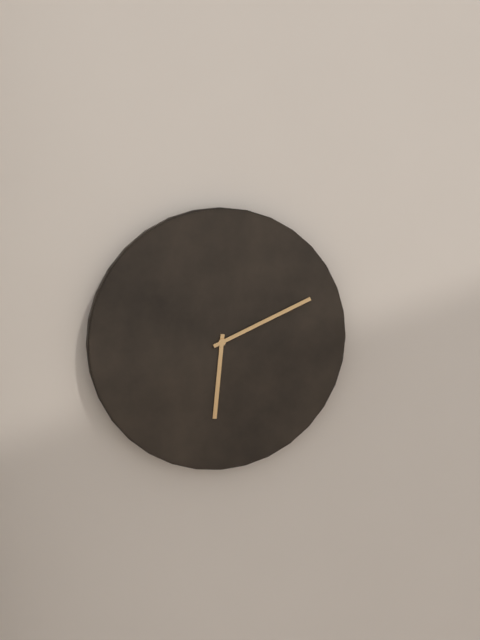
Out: 6:11
